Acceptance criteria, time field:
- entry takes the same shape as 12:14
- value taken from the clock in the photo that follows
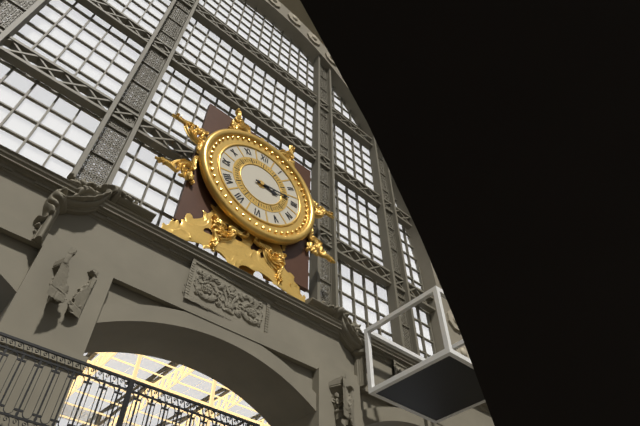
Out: 3:14
